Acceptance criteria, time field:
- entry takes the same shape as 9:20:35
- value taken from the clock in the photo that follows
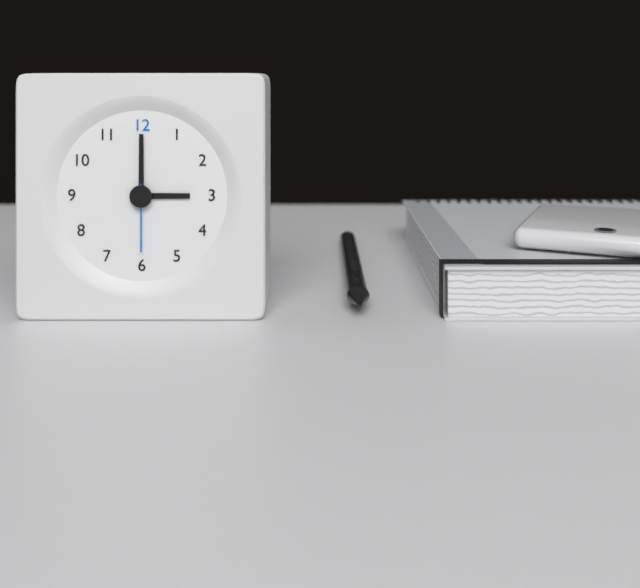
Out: 3:00:30
